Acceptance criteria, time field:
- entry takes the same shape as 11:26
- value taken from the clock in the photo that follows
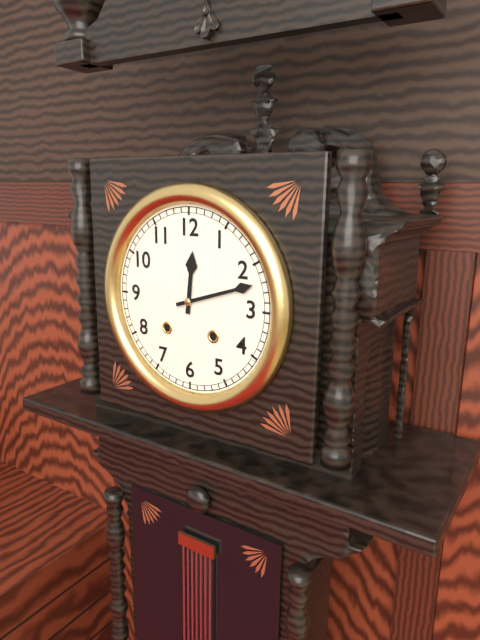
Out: 12:12
